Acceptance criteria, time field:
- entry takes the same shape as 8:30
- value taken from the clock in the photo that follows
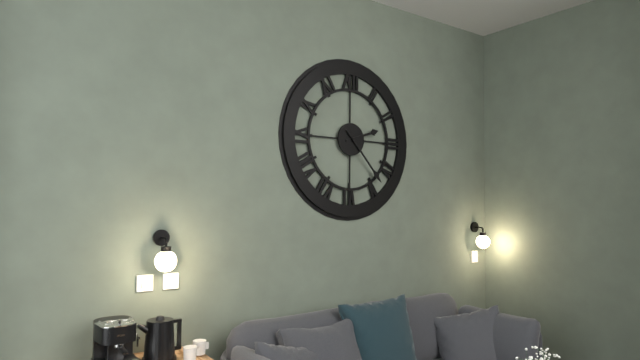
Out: 2:23
